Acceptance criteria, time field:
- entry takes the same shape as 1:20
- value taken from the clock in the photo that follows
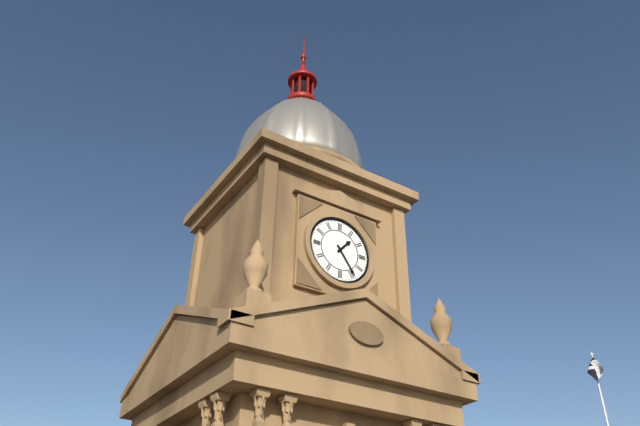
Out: 1:24
